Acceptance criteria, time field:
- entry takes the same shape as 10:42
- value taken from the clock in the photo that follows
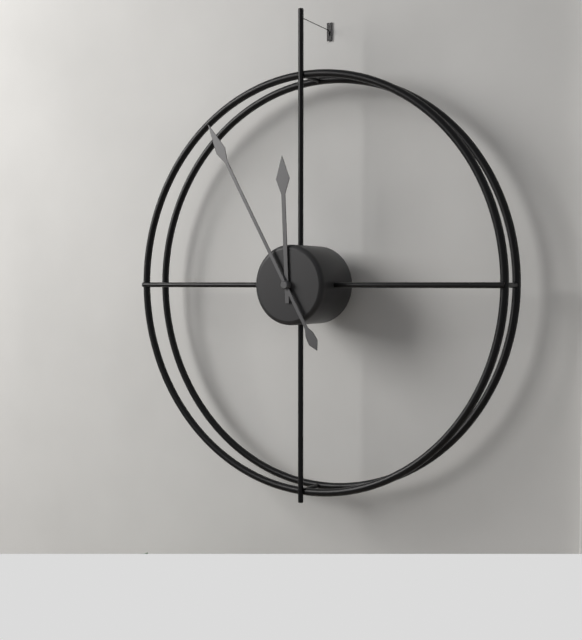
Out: 11:55
